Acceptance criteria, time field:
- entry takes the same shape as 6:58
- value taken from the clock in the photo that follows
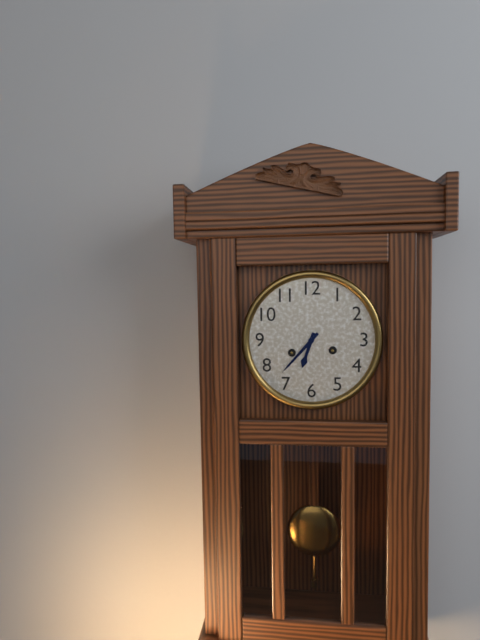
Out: 6:37
